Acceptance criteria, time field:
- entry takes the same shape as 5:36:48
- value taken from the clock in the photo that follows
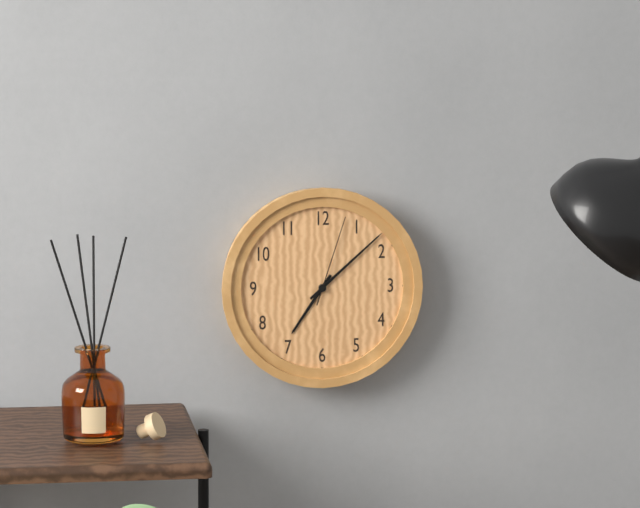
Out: 7:08:03
